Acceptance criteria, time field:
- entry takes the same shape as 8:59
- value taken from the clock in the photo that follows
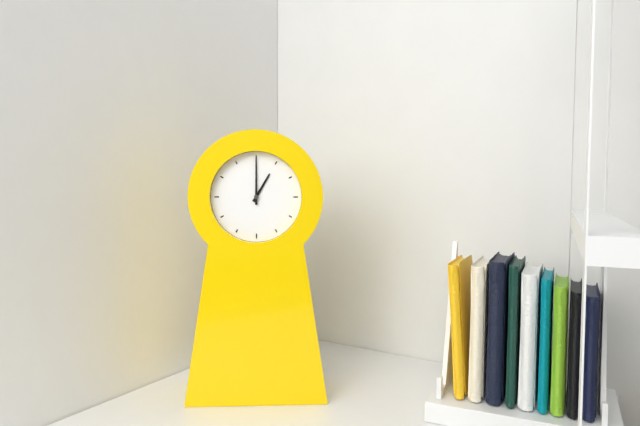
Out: 1:00
